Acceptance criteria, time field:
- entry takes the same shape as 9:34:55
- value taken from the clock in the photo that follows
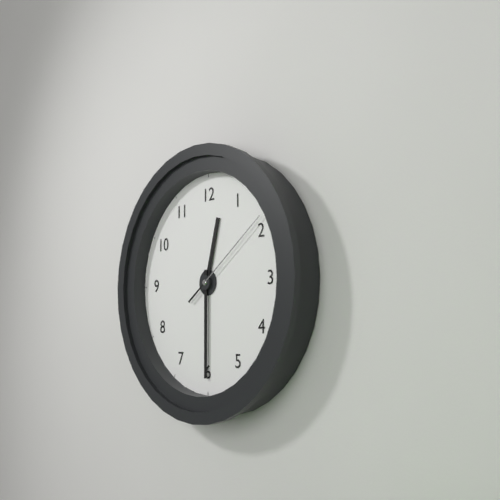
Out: 12:30:09
